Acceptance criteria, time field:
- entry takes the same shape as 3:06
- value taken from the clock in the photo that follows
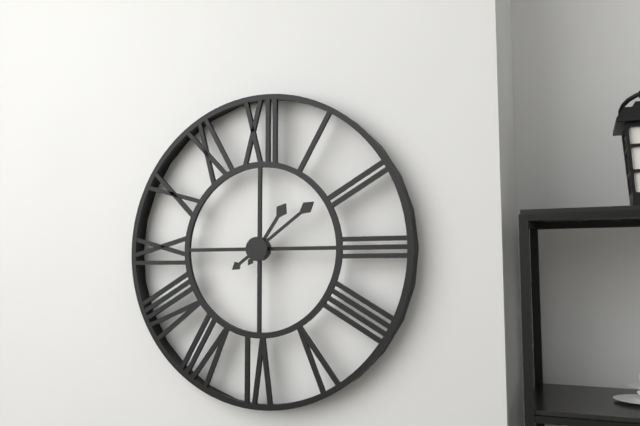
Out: 1:09
